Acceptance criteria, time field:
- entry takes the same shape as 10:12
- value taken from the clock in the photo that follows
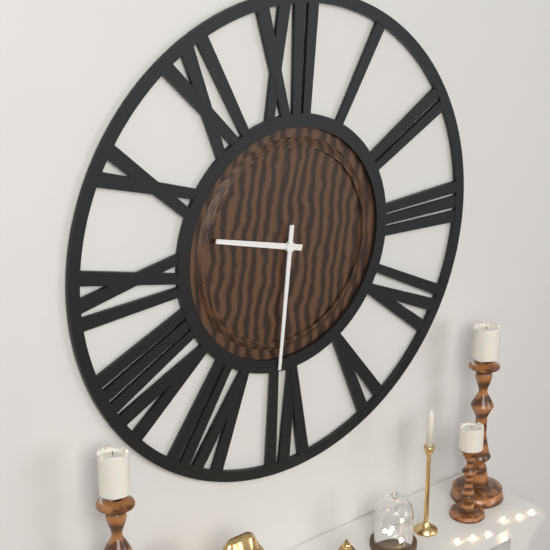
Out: 9:31
